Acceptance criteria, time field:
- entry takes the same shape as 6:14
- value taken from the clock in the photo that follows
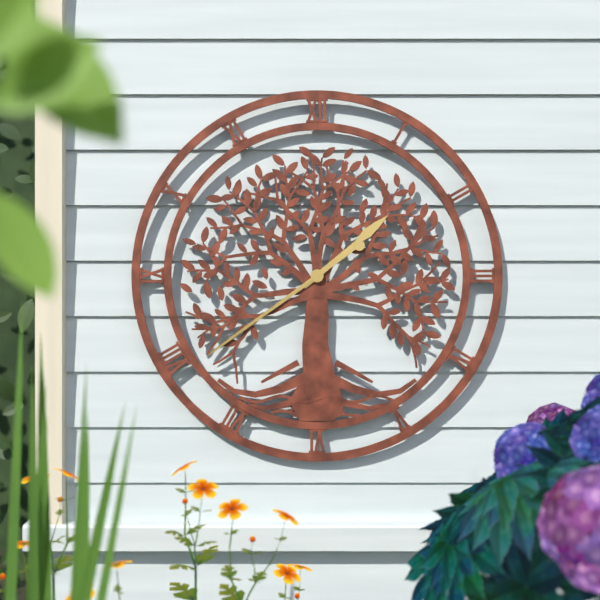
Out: 1:39
